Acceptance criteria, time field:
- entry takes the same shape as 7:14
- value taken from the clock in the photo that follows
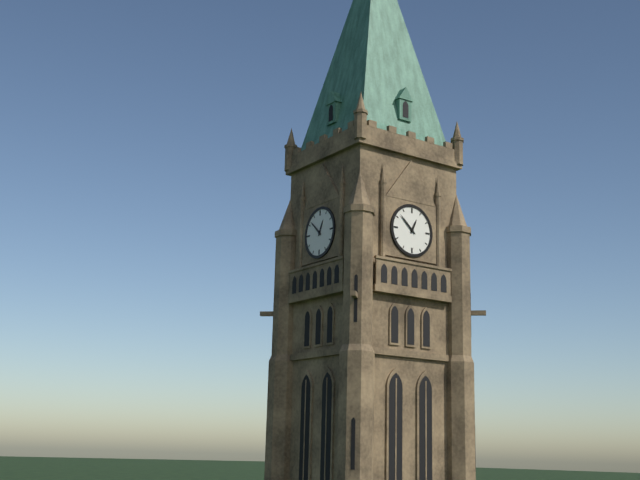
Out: 12:52
